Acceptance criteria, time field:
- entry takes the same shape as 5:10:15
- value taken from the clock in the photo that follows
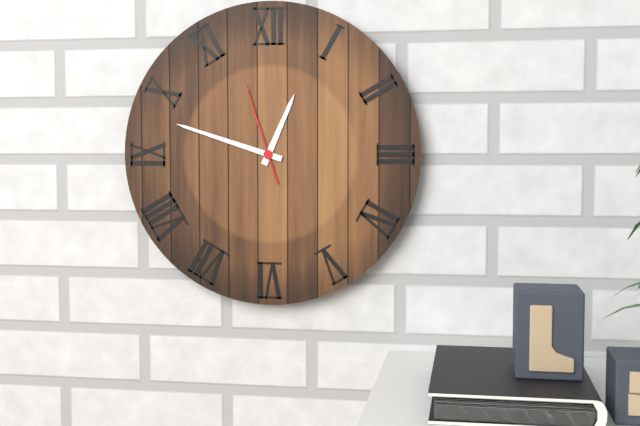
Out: 12:48:57
